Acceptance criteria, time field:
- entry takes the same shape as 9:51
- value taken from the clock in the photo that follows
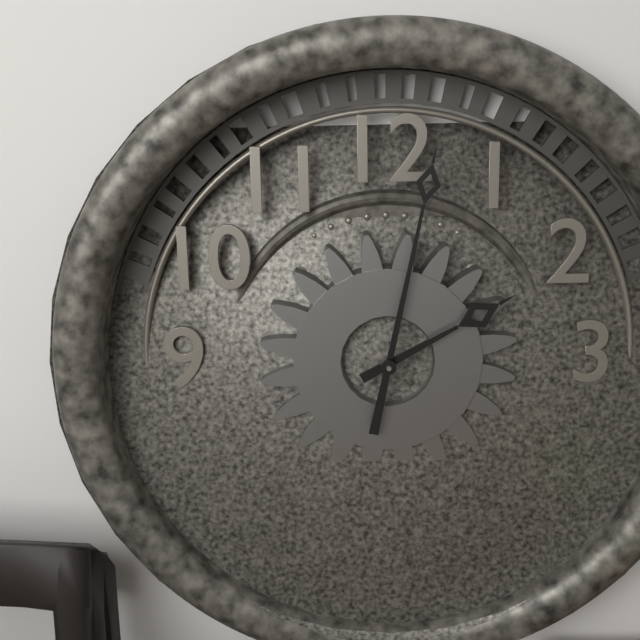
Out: 2:02
